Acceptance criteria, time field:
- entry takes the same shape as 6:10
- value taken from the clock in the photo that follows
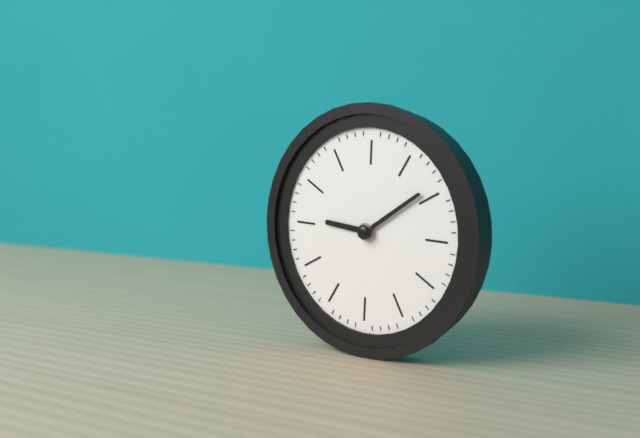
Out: 9:09
